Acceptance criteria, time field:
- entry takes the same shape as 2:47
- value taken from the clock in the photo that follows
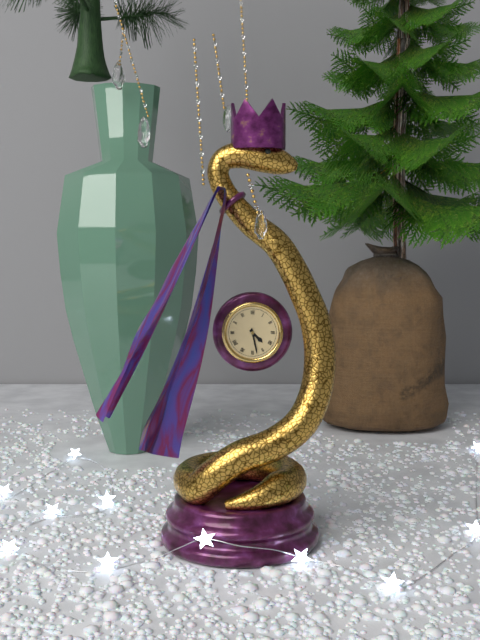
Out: 4:28
